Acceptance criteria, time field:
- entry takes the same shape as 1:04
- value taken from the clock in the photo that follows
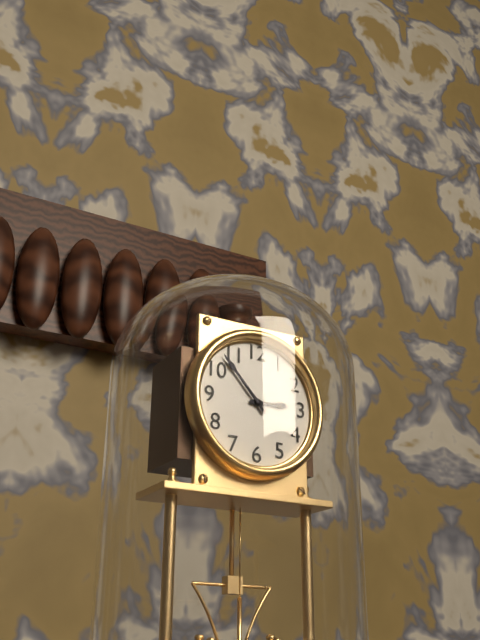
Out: 2:53
